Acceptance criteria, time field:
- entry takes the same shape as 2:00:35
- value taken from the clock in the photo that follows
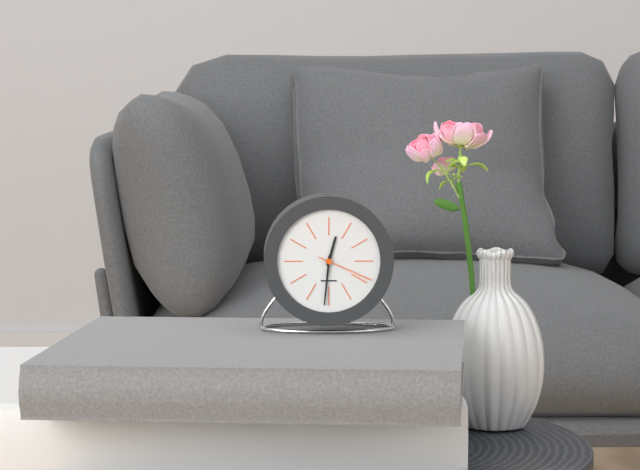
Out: 12:31:19
